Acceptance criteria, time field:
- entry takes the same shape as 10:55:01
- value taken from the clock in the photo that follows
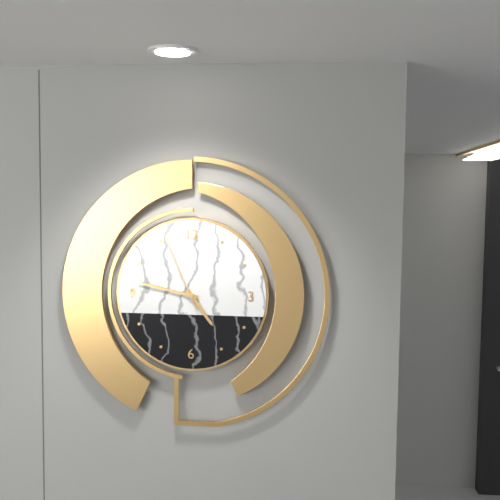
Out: 4:47:56
